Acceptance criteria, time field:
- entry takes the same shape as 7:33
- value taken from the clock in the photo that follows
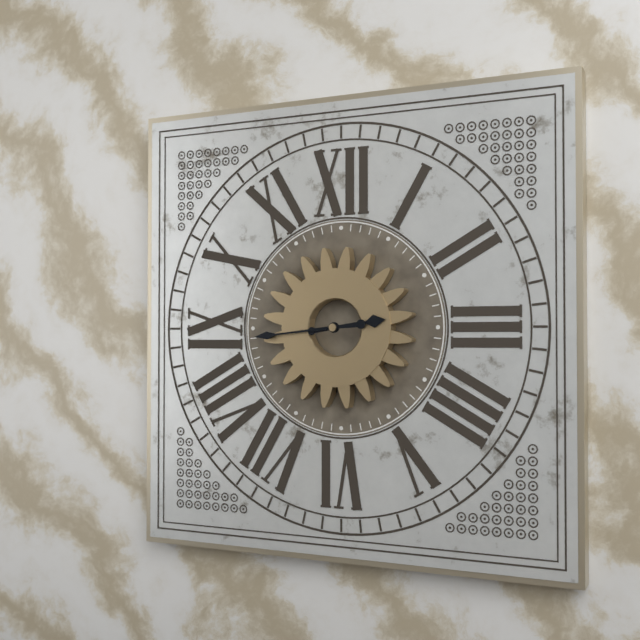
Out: 2:44
